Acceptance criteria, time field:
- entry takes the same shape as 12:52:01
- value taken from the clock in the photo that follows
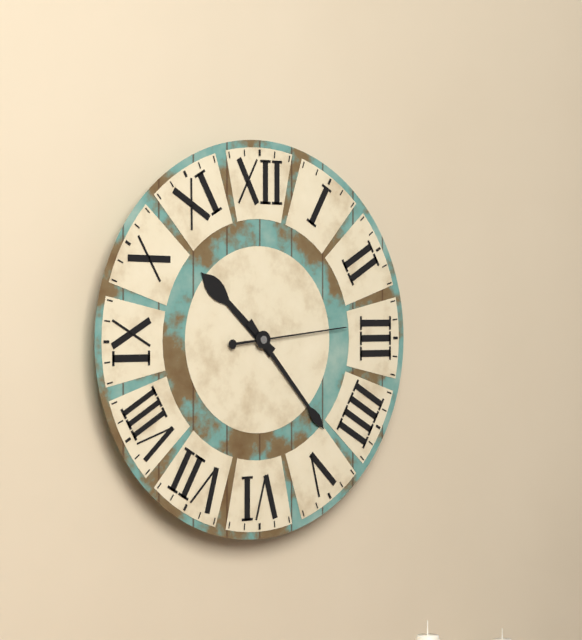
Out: 10:23:14
